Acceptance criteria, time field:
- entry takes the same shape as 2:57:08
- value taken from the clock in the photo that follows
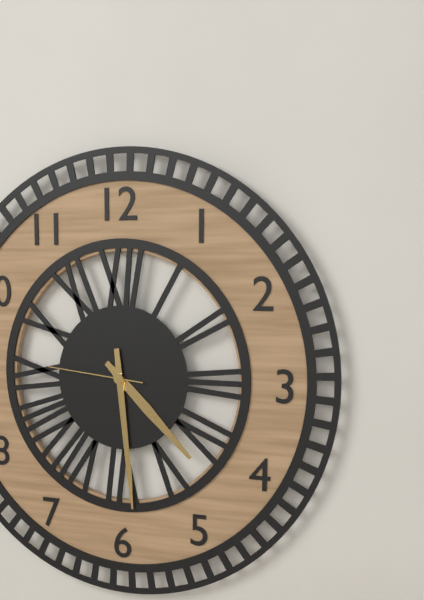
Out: 4:29:46
